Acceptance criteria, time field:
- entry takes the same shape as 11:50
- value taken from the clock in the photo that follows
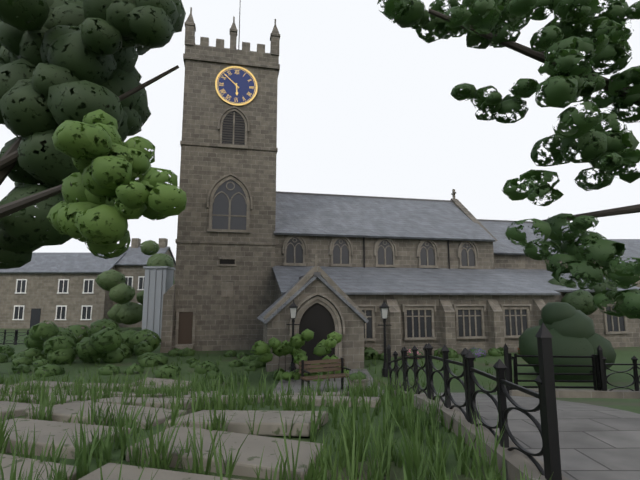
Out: 5:52
